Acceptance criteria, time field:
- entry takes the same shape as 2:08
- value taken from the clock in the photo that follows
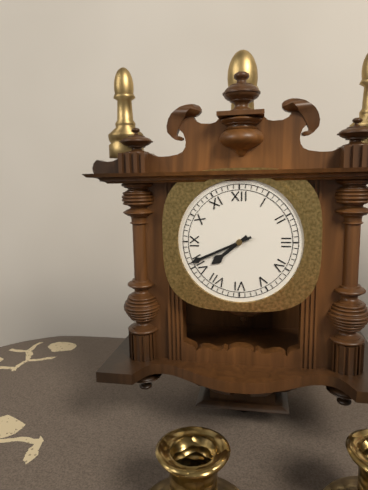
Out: 7:41
